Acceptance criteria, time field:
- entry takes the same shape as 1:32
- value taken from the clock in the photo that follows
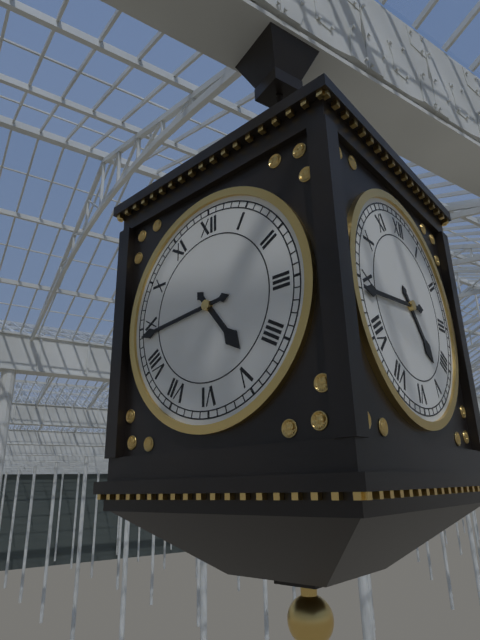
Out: 4:44
